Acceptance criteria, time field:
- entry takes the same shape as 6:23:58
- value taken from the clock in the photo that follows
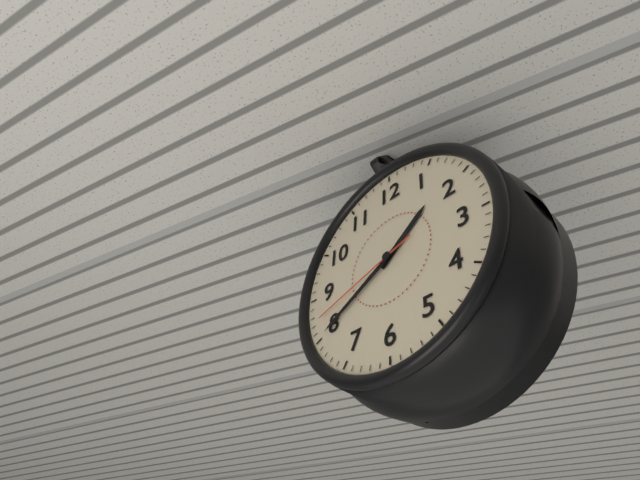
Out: 1:40:42
